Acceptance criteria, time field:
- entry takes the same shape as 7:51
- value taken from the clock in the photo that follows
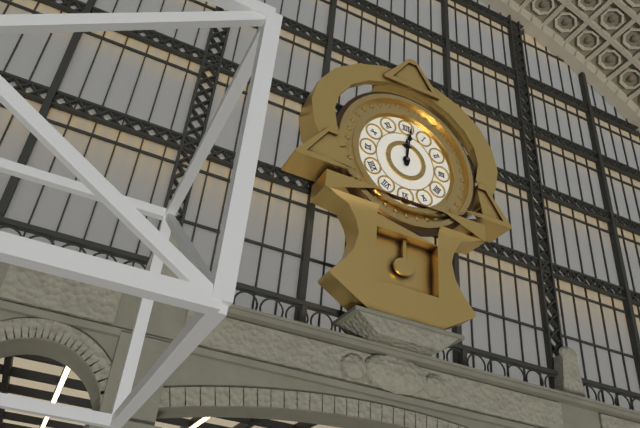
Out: 12:01
